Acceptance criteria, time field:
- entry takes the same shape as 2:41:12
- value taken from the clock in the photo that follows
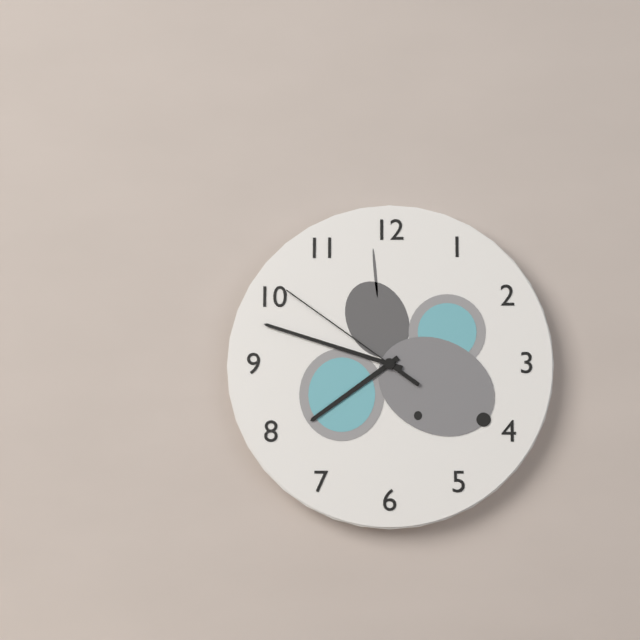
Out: 7:48:51
